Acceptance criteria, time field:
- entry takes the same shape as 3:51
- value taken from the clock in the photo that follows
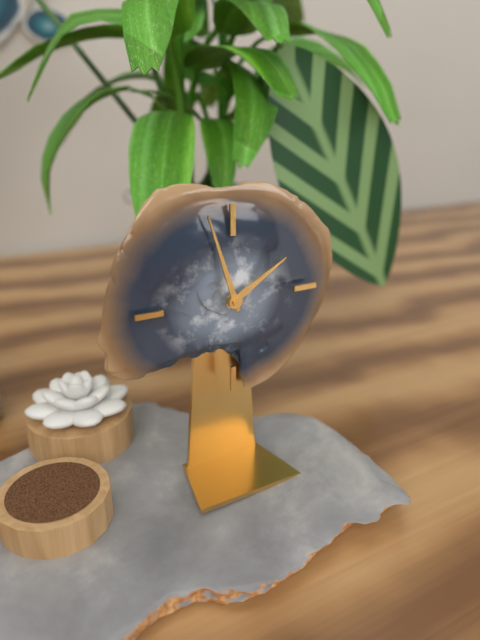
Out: 1:57
